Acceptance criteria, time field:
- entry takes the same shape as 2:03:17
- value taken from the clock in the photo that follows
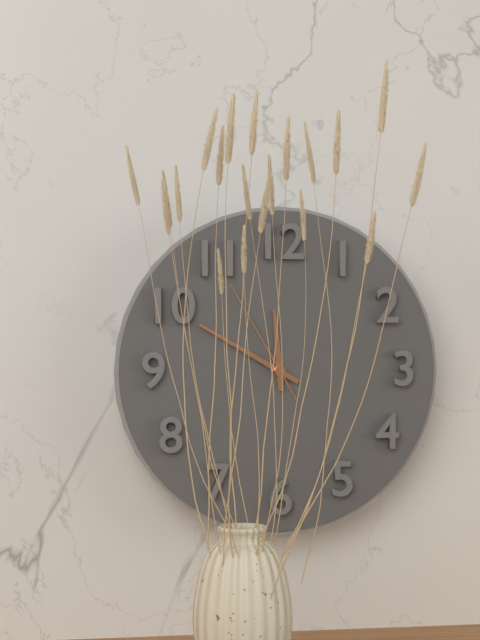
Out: 11:50:55
